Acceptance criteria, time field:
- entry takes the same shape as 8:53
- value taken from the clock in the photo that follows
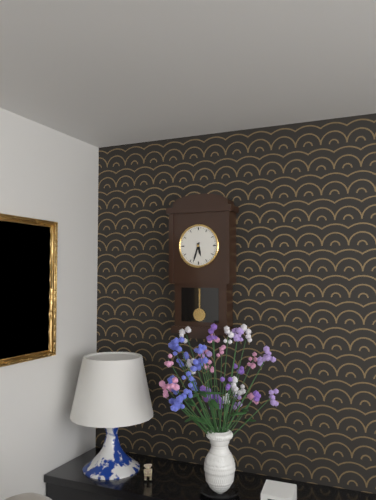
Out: 5:33
